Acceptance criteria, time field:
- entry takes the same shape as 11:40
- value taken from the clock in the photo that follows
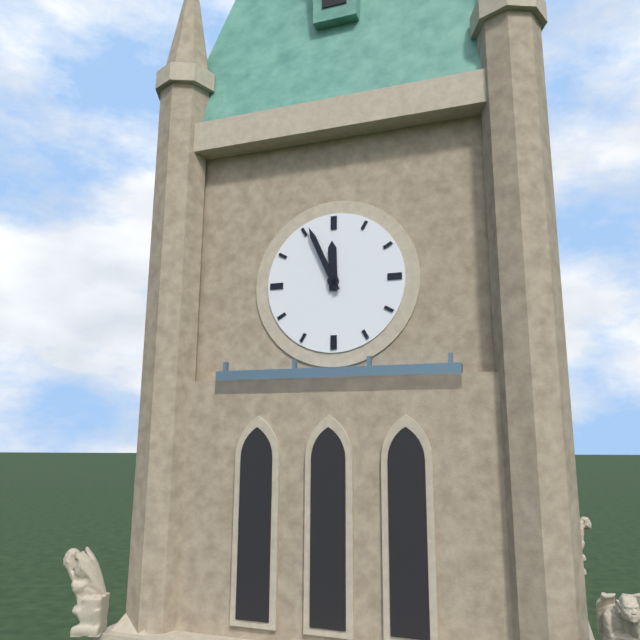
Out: 11:56
